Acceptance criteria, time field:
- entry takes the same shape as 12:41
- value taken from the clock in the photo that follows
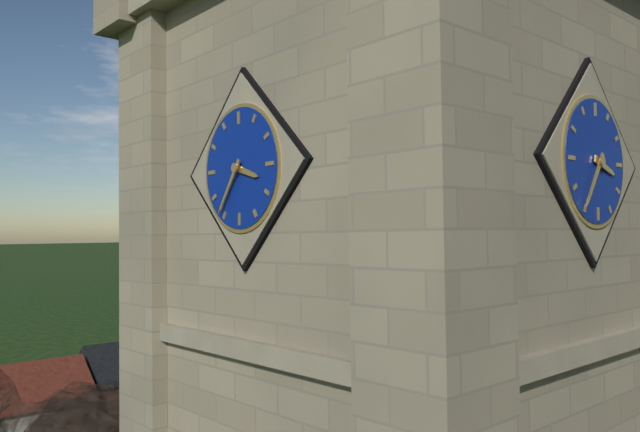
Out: 3:36
